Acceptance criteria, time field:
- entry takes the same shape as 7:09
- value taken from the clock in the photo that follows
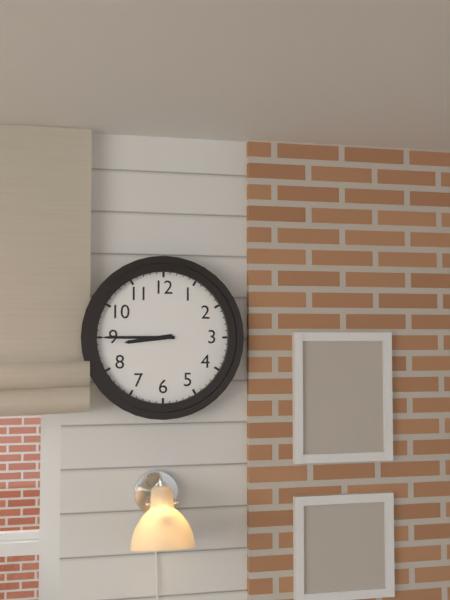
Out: 8:45
